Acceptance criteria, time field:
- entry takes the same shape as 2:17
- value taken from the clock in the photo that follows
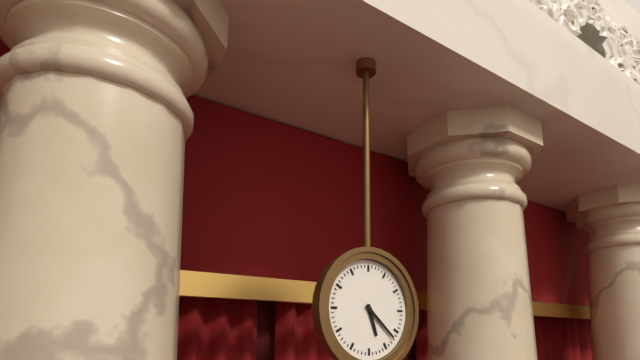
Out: 5:22
